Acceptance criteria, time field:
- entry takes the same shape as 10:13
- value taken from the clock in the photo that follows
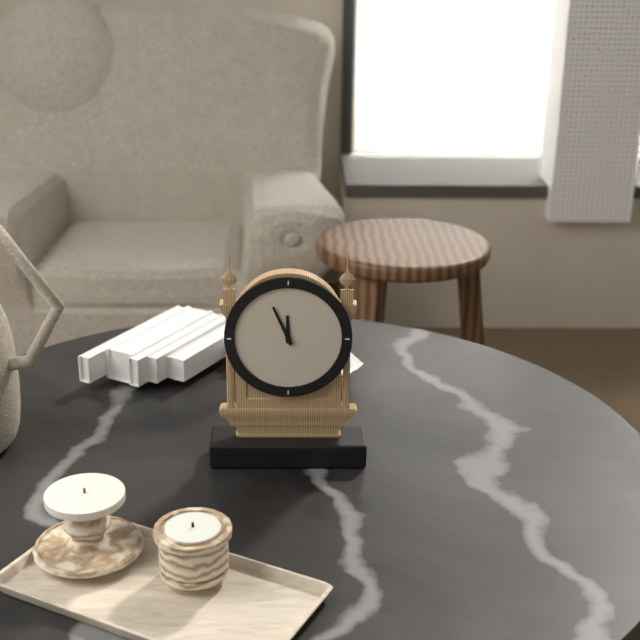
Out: 11:56
